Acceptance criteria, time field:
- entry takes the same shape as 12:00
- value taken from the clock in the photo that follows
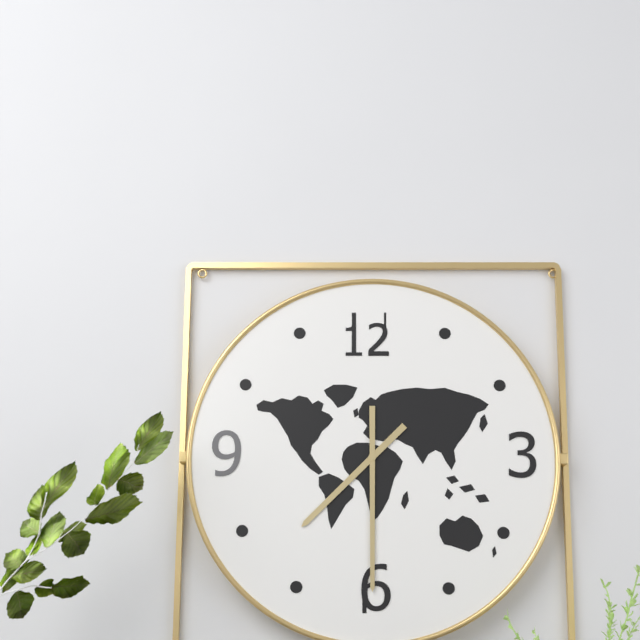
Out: 7:30
